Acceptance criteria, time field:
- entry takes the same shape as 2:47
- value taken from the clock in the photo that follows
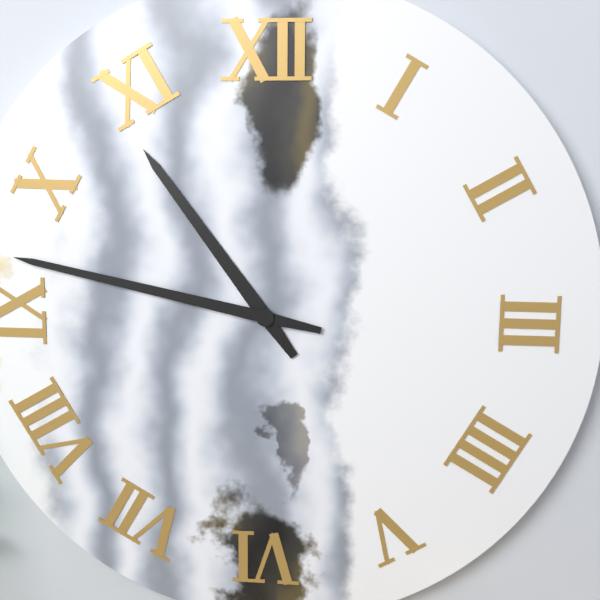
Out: 10:47
